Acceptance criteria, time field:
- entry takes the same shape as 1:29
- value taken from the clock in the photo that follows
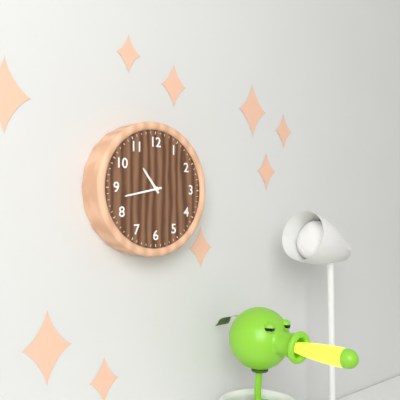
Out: 10:43
